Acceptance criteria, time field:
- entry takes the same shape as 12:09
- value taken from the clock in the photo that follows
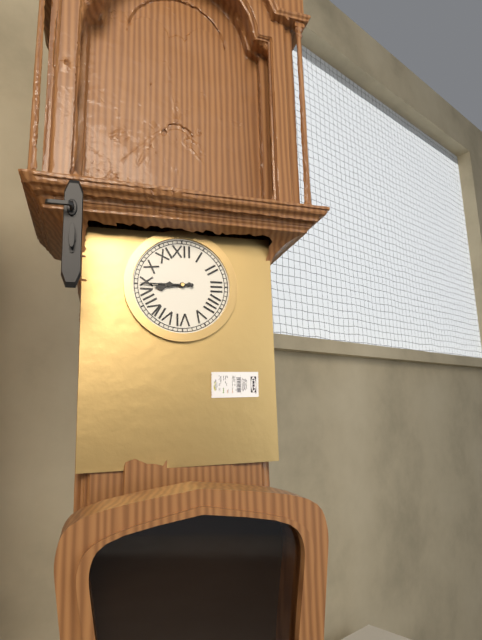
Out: 8:45
